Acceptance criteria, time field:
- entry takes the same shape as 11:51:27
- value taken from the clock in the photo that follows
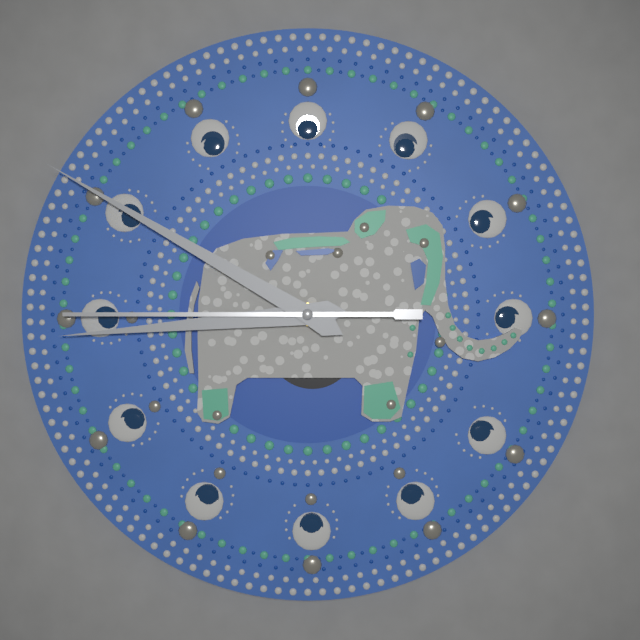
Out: 8:50:45
